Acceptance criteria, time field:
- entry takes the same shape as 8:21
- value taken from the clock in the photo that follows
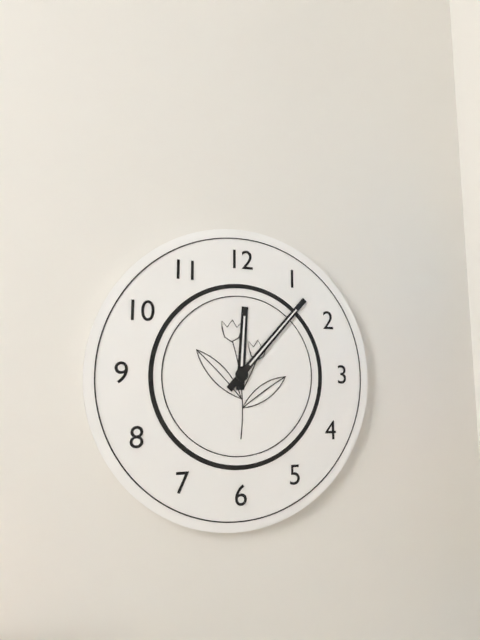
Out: 12:07
